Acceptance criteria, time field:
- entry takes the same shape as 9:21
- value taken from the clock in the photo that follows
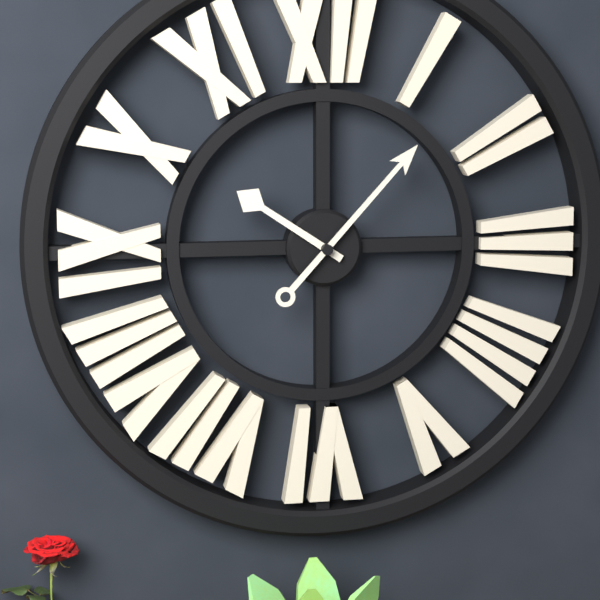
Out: 10:07
